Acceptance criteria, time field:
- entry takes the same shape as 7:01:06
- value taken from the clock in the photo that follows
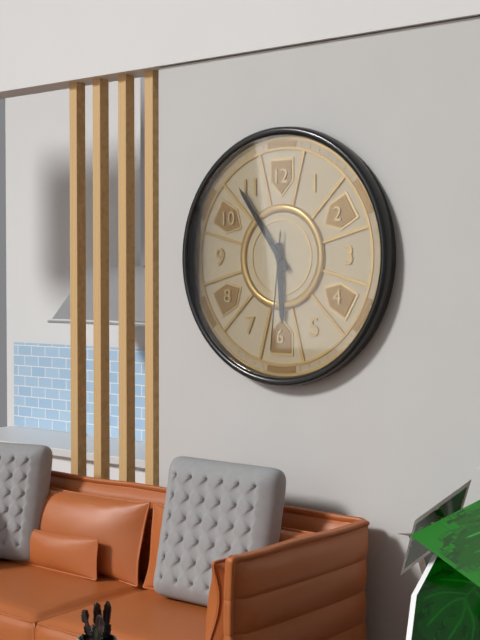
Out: 5:54:31
